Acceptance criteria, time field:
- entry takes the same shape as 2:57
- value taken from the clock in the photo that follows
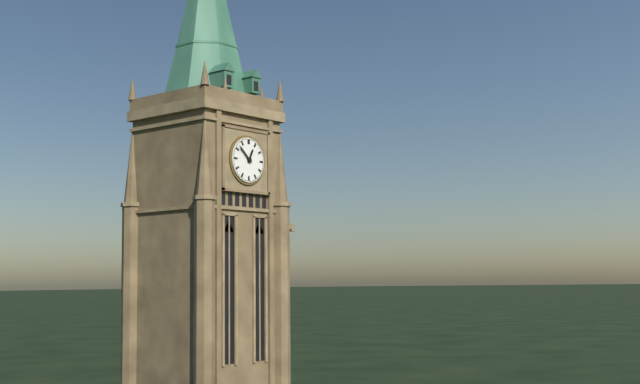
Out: 12:52
